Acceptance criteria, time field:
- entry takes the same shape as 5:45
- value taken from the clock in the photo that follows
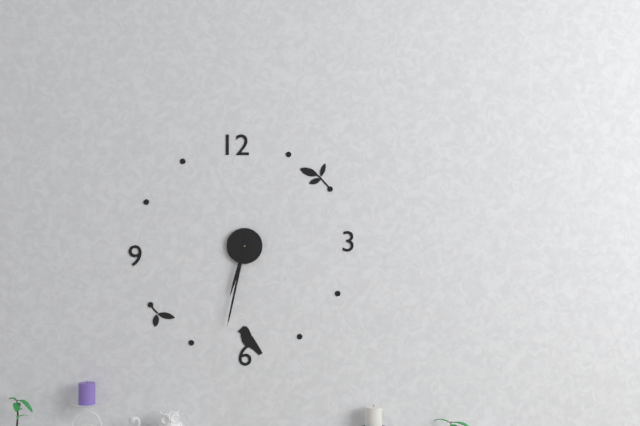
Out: 6:32
